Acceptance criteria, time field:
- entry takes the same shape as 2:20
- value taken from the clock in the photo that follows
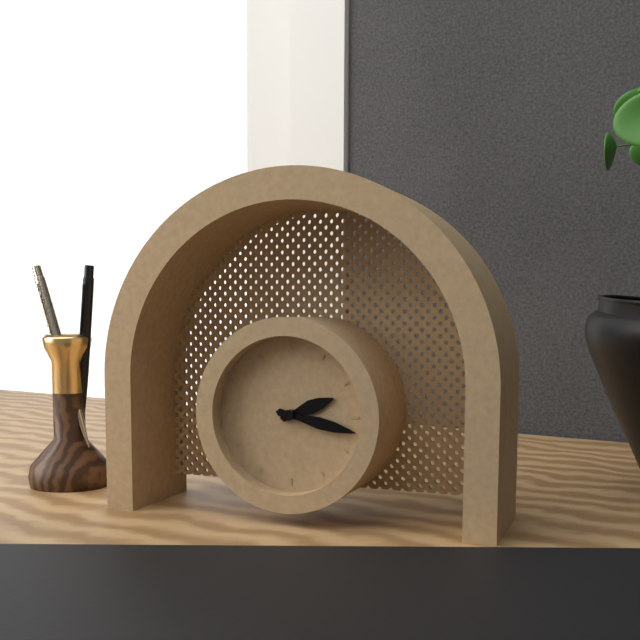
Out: 2:17
